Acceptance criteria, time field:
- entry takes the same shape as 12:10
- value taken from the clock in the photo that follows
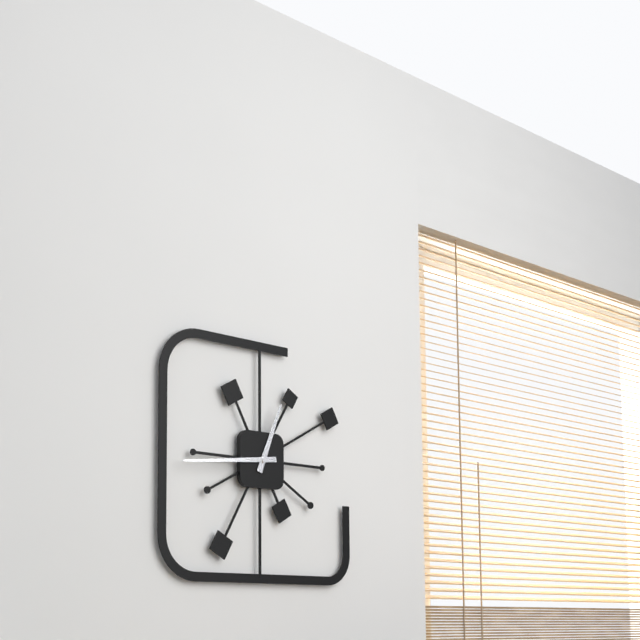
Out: 12:44
